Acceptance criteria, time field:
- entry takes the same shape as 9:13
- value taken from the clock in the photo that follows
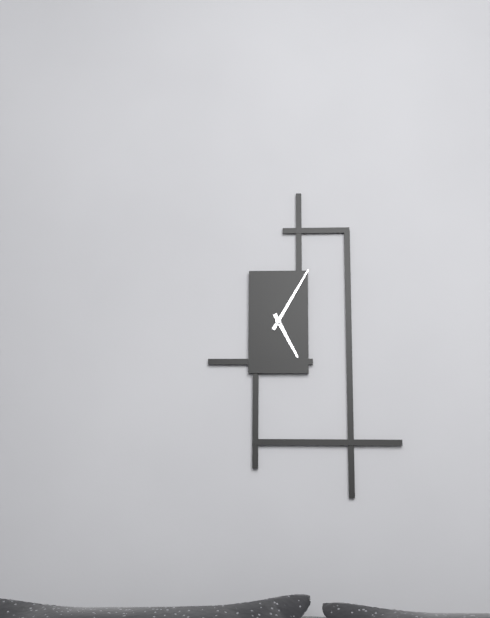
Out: 5:05
